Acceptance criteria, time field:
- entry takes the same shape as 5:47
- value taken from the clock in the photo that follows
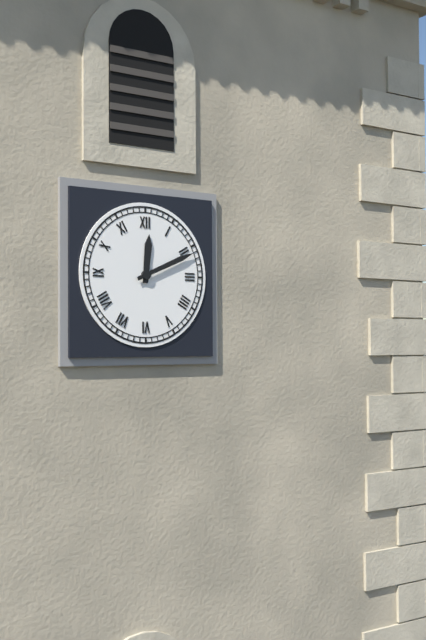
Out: 12:11
